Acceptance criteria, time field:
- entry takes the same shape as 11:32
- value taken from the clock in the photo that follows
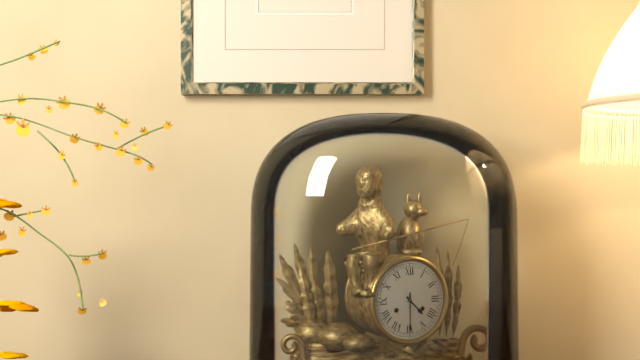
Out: 4:30
